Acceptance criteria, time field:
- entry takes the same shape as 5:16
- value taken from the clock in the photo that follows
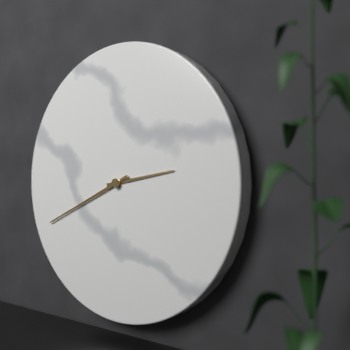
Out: 2:41
